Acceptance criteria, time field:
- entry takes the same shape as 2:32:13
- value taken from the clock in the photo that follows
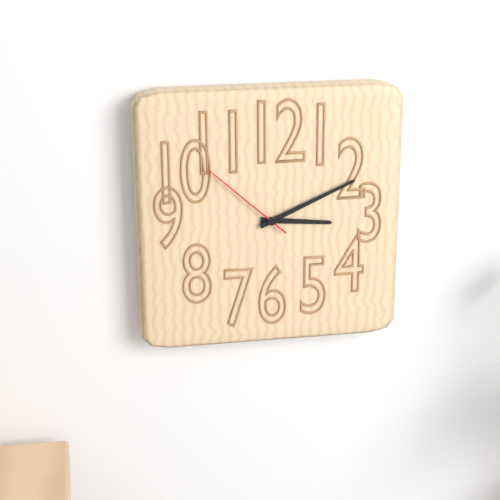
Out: 3:11:52
